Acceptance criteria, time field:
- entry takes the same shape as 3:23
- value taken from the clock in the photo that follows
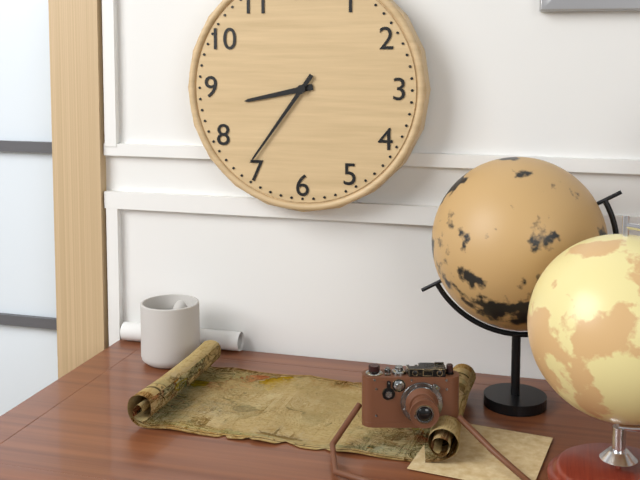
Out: 8:36
